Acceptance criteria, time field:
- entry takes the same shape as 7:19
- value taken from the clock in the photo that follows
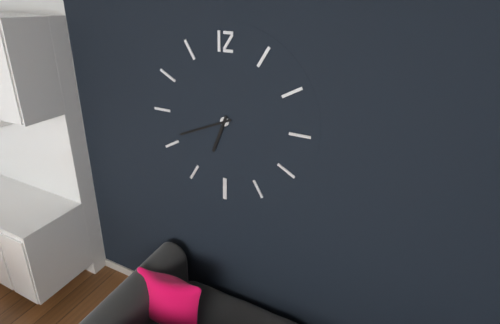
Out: 6:41
